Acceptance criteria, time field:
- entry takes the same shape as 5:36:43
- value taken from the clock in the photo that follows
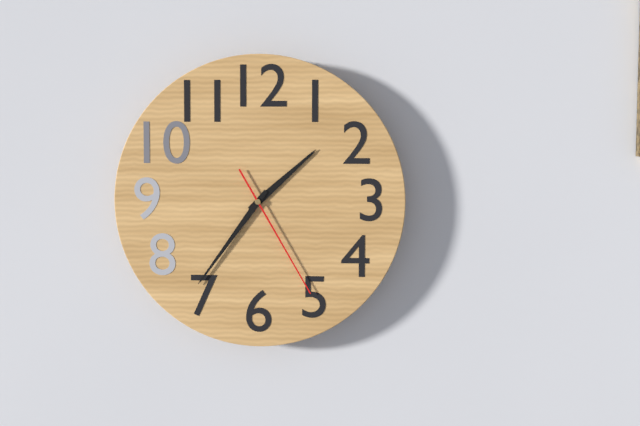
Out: 1:36:25
